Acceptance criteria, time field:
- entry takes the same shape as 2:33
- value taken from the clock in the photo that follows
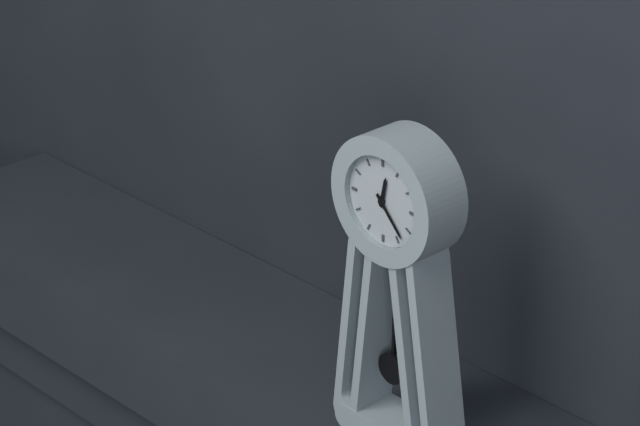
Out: 12:23
